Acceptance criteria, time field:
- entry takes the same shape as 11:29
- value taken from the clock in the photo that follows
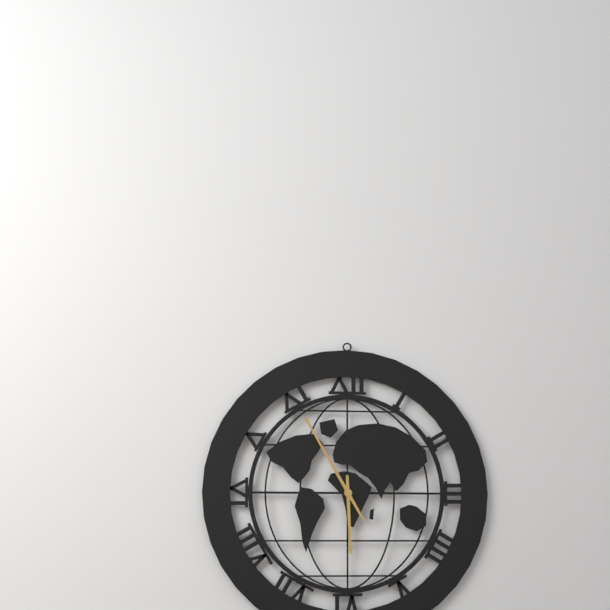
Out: 5:55
